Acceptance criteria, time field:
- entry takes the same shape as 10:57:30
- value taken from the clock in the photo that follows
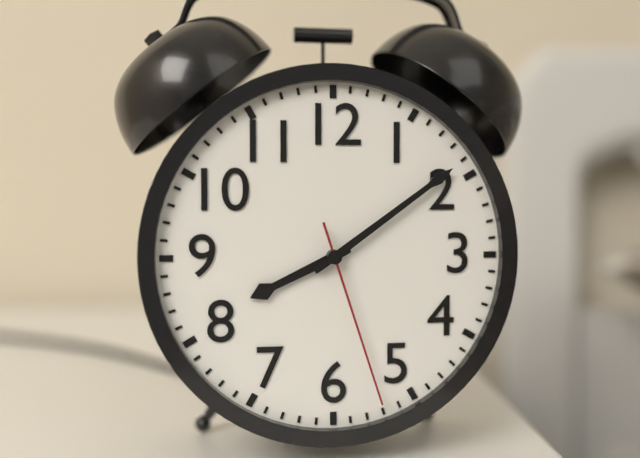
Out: 8:09:27
